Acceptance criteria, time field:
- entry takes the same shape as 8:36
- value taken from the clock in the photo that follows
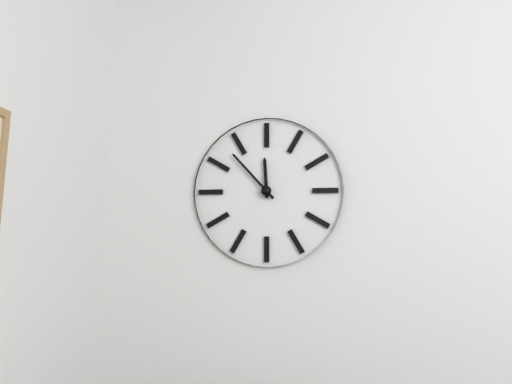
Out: 11:53
